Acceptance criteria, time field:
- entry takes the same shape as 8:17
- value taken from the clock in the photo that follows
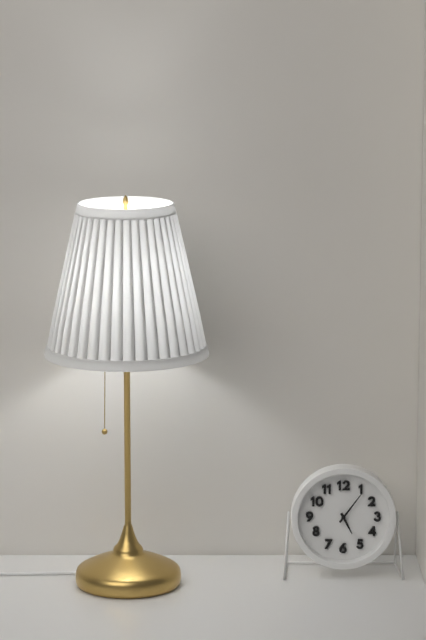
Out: 5:06
